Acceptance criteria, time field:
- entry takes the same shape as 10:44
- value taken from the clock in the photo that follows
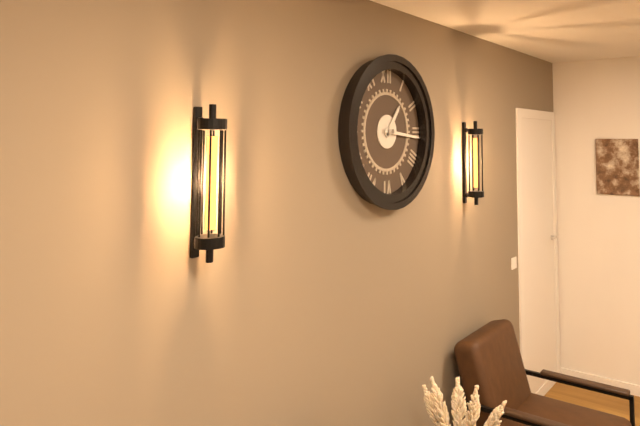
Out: 1:16
